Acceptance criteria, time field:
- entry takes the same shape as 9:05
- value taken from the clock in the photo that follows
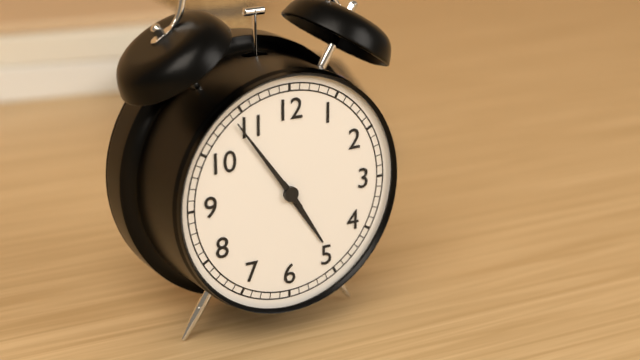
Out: 4:54
